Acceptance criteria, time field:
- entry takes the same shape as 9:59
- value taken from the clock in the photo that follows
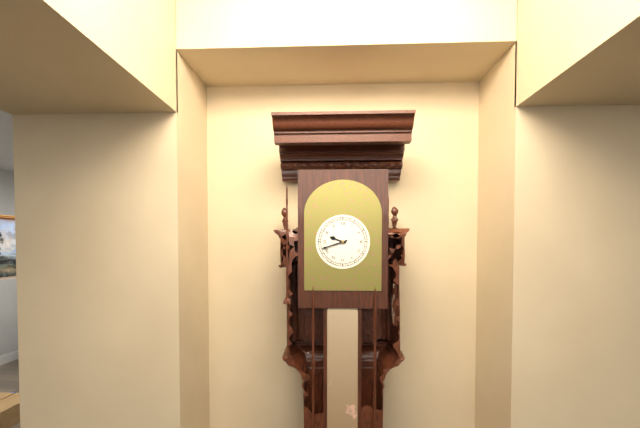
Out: 9:42
